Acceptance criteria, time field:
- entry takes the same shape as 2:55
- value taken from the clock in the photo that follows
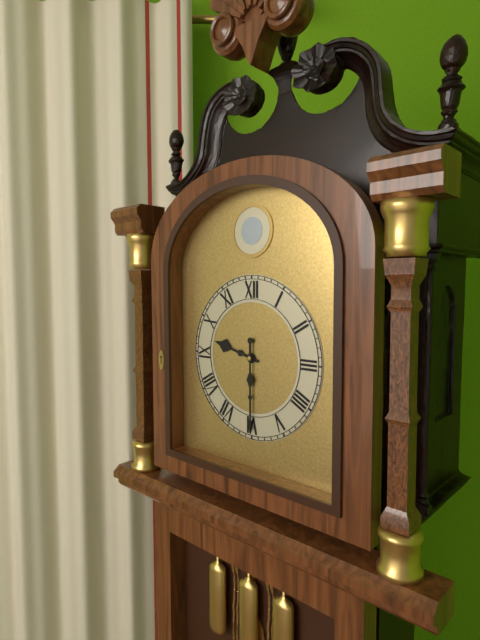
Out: 9:30
